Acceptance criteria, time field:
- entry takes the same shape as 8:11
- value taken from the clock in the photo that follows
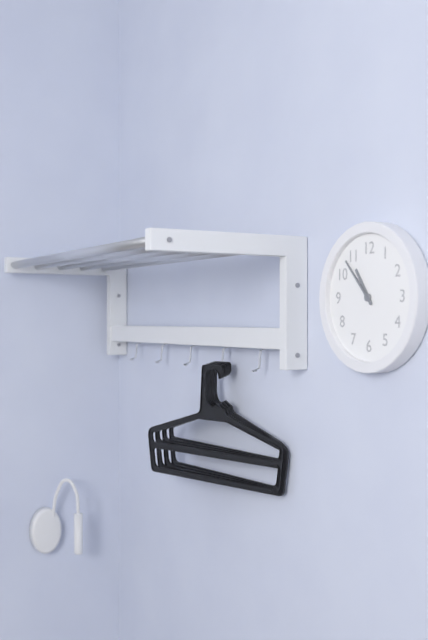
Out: 10:53
